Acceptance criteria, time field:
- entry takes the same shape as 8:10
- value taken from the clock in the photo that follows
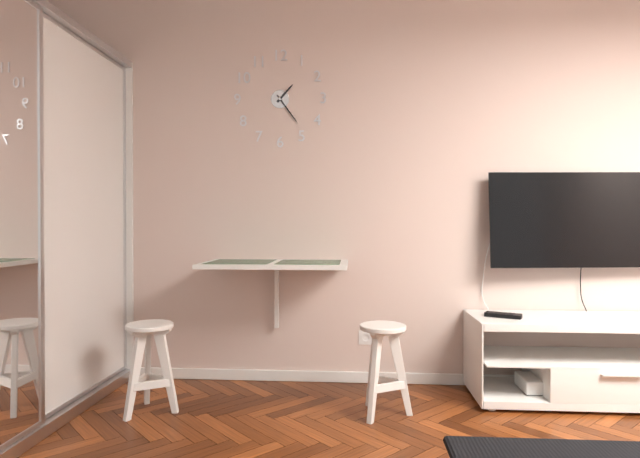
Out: 1:24
